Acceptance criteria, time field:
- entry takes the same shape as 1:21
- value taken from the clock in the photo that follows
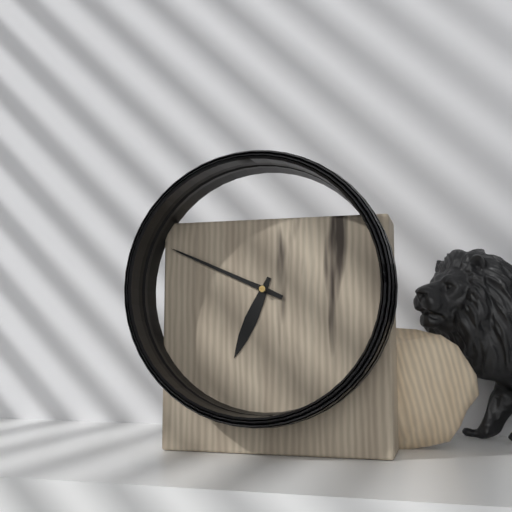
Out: 6:49
